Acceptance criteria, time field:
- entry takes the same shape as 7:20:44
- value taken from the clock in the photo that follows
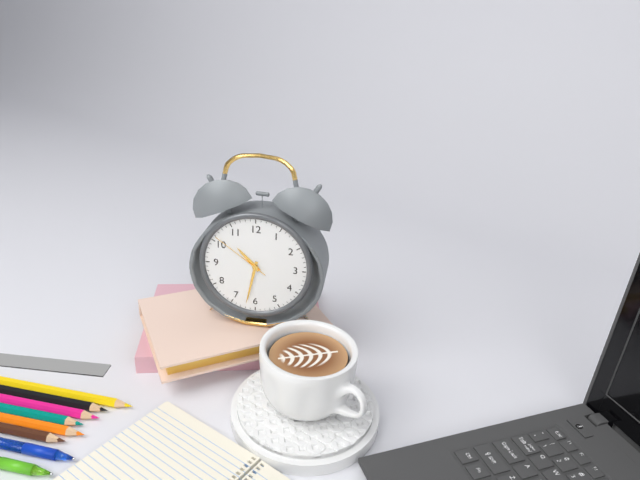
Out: 10:32:51
